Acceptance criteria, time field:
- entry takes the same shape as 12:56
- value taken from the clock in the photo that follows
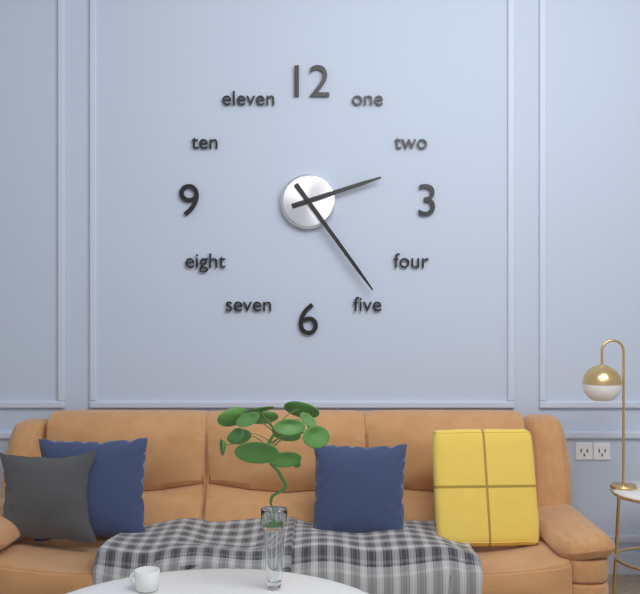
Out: 2:24
